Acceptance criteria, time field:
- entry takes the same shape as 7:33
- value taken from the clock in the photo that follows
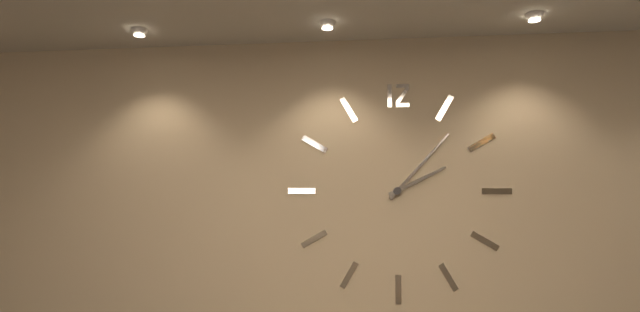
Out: 2:07
